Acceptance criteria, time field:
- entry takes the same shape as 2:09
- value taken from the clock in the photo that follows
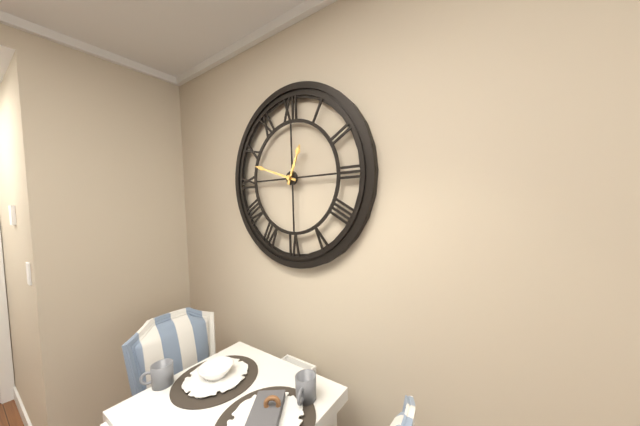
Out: 12:48
